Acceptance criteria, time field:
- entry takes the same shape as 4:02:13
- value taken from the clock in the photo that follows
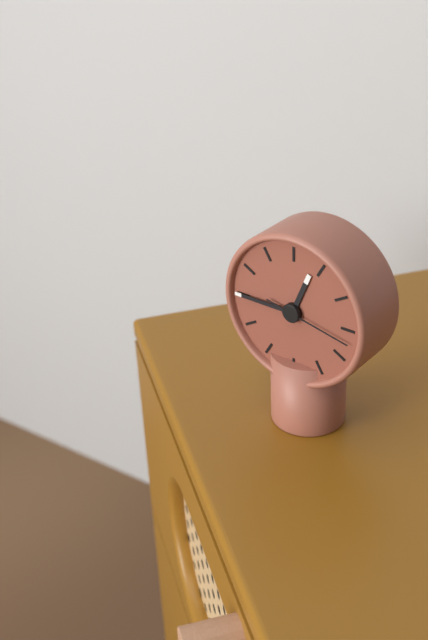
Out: 12:45:17
